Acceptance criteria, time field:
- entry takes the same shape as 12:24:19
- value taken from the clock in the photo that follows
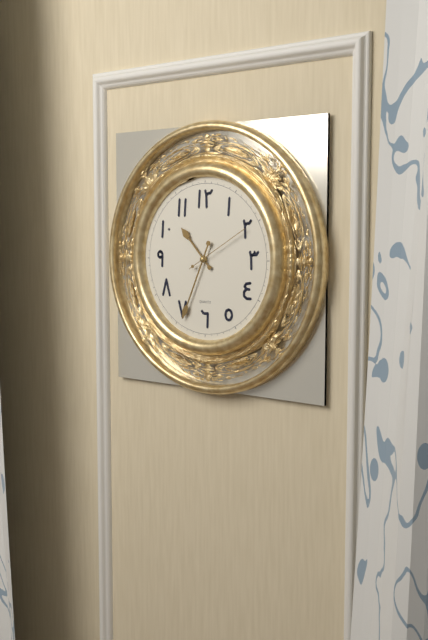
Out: 10:34:10
